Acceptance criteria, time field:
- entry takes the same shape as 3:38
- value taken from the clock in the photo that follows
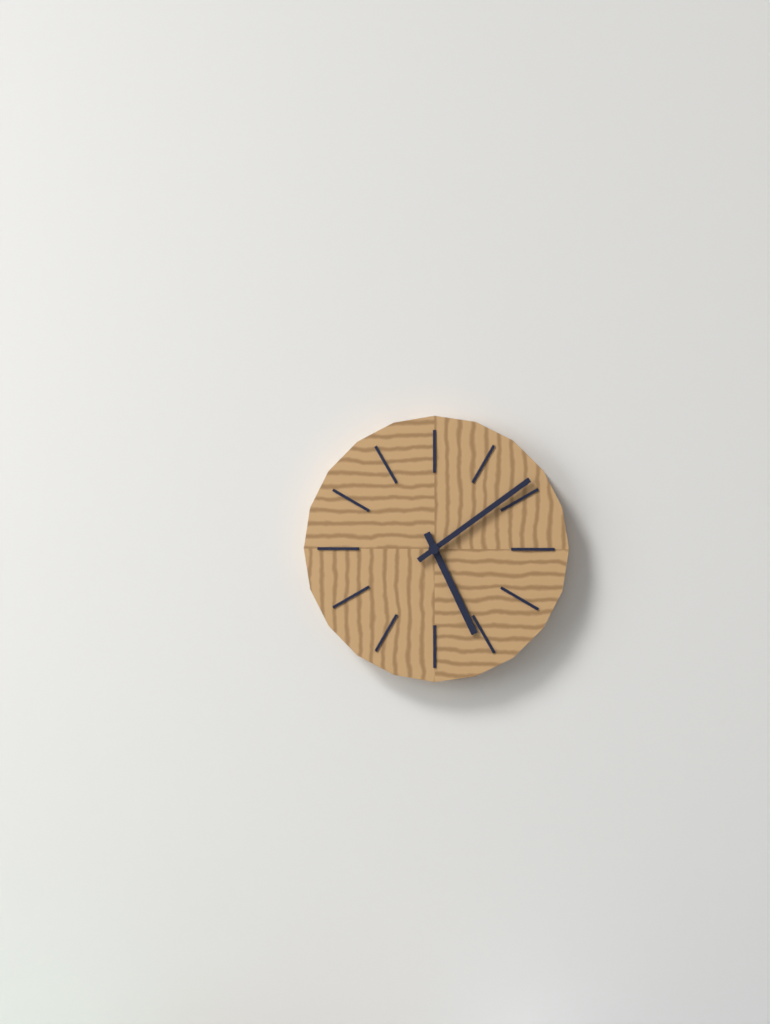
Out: 5:09
